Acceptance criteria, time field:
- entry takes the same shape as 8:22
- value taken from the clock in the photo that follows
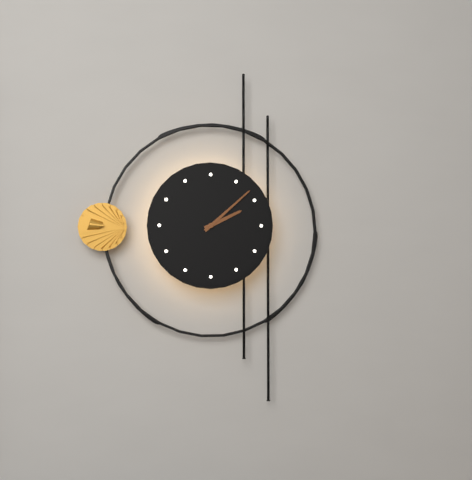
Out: 2:08
